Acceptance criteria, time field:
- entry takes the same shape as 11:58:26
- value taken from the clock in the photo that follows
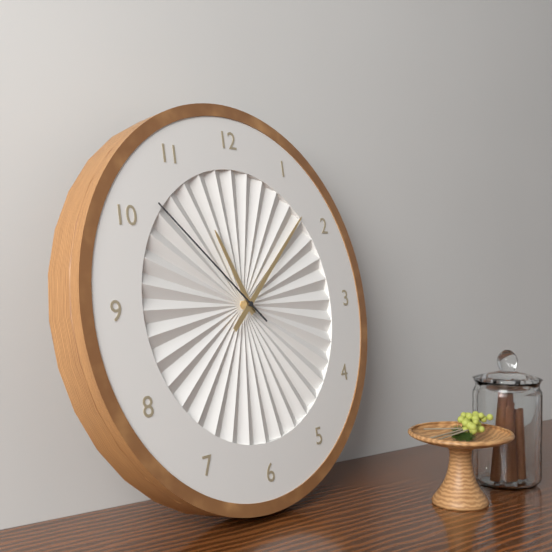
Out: 11:08:52
